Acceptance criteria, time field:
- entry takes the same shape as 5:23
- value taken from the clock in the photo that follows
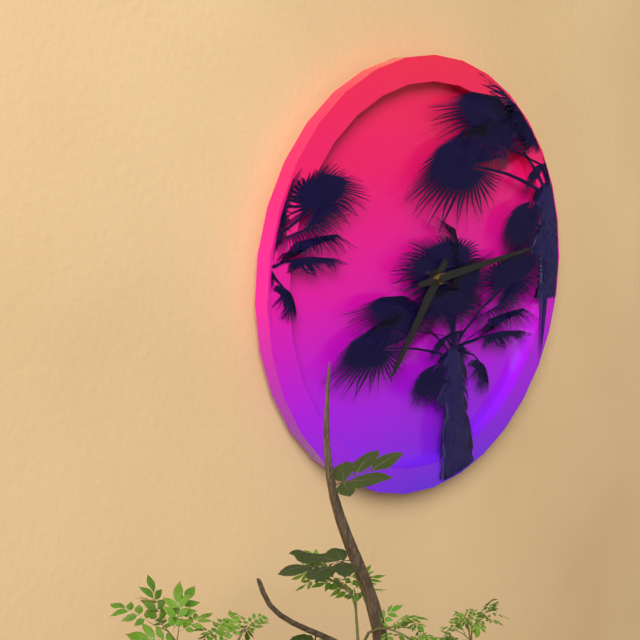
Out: 7:14
